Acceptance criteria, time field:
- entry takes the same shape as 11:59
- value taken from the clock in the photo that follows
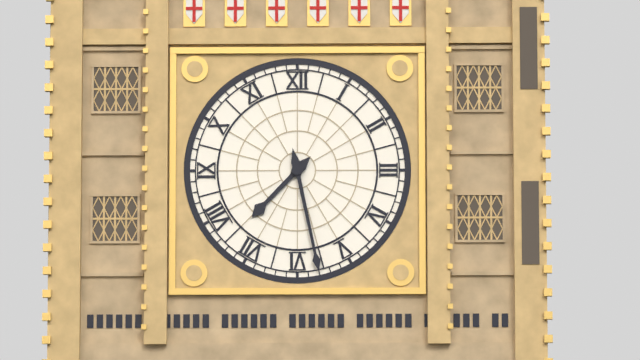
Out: 7:28
